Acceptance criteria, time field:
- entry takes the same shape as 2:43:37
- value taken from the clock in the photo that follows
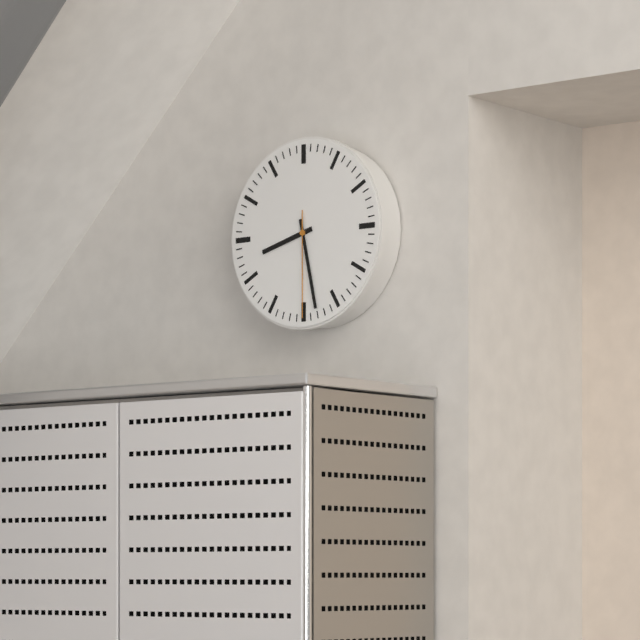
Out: 8:28:30
